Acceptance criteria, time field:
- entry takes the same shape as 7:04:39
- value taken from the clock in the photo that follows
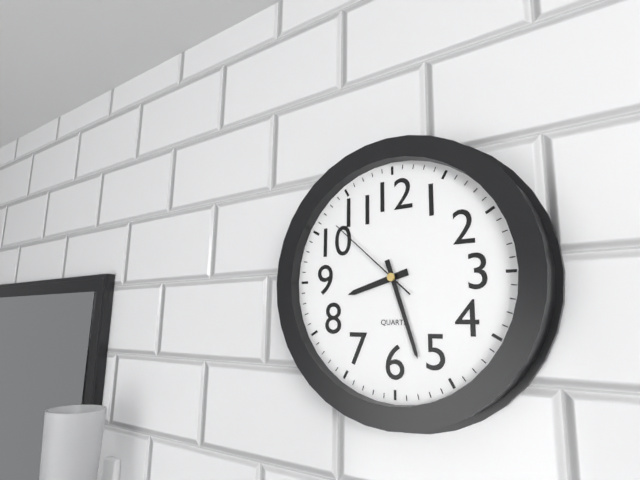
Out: 8:27:52
